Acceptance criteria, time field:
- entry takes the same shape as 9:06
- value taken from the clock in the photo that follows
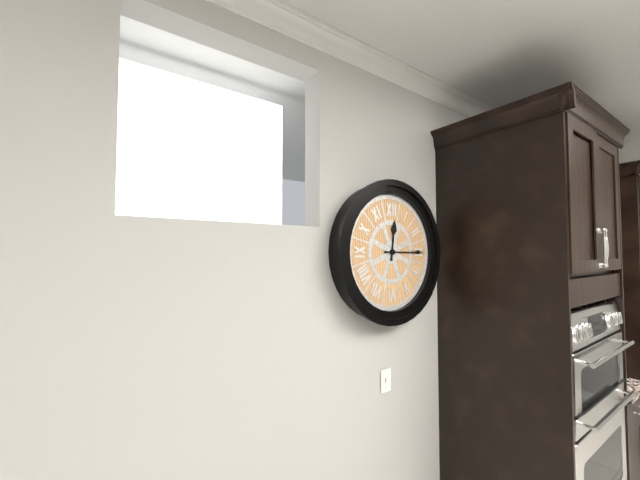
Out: 12:15
